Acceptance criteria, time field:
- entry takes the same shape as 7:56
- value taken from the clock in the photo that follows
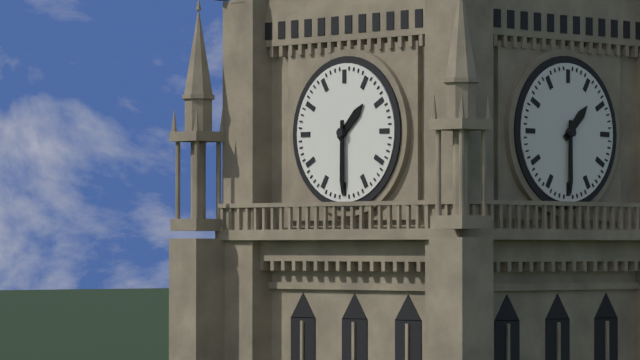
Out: 1:30
